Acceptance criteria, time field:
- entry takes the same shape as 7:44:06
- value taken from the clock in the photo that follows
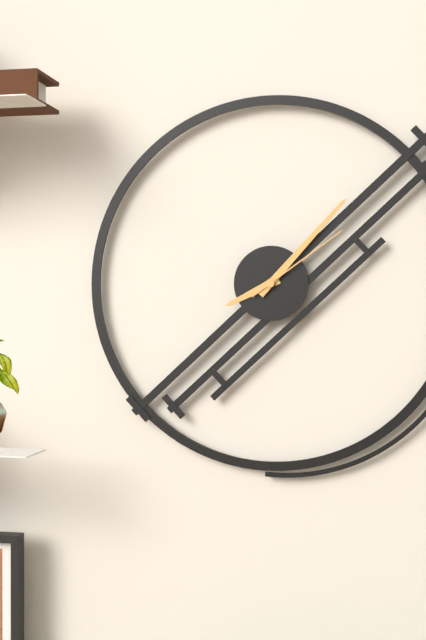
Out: 8:07:09
